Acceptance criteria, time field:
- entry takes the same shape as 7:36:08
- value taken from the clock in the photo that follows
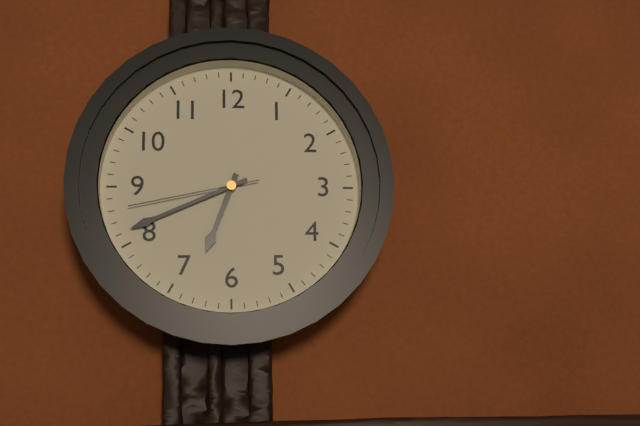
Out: 6:41:43
